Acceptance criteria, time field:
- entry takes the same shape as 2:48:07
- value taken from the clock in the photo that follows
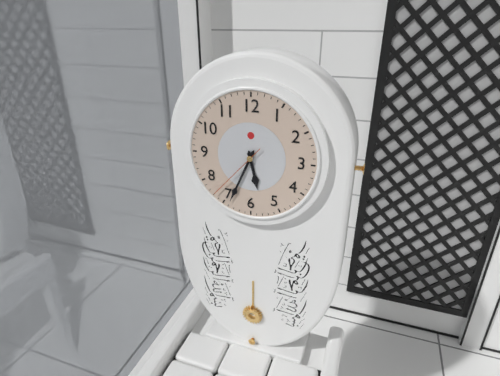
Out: 5:34:37
